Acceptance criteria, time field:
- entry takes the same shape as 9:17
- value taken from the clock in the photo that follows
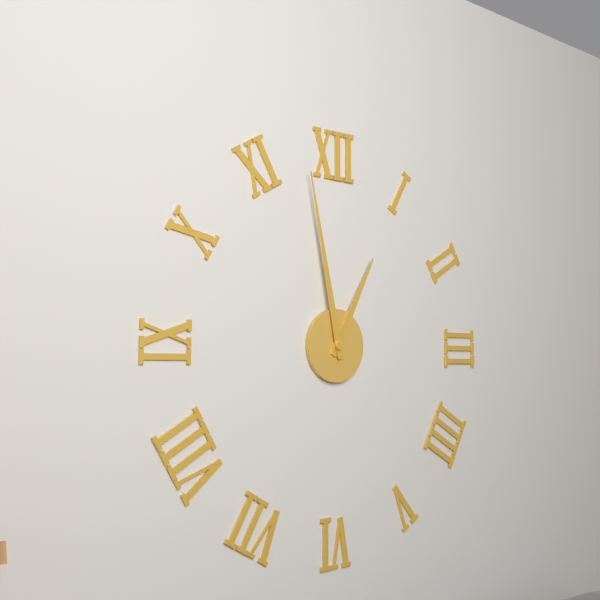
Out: 12:58
